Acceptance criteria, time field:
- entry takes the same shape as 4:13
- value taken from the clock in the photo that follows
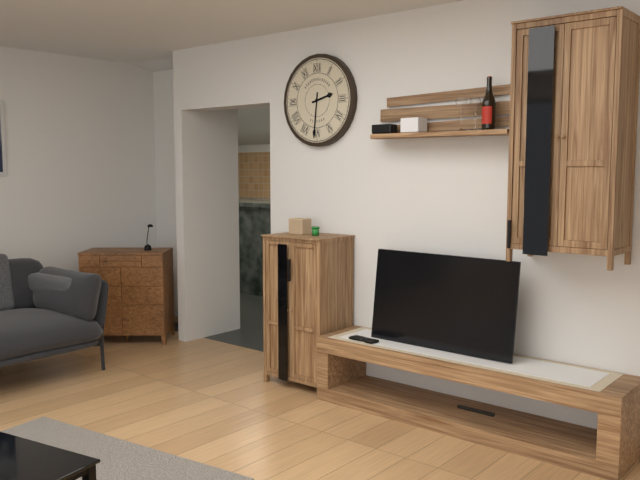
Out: 2:31
